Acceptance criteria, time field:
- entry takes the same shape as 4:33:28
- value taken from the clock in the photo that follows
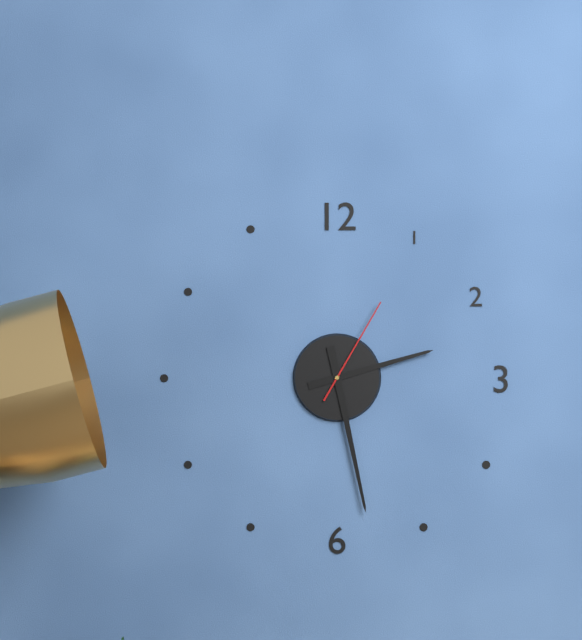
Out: 2:28:05
